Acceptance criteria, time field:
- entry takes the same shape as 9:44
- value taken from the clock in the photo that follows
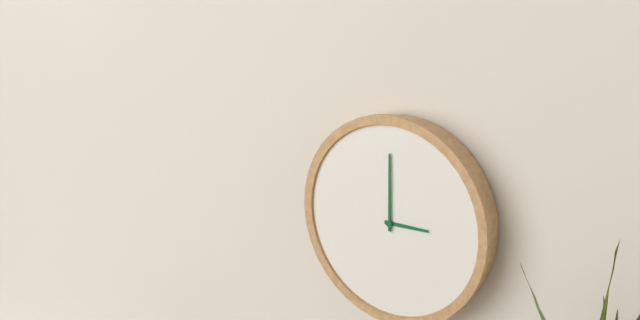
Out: 3:00
